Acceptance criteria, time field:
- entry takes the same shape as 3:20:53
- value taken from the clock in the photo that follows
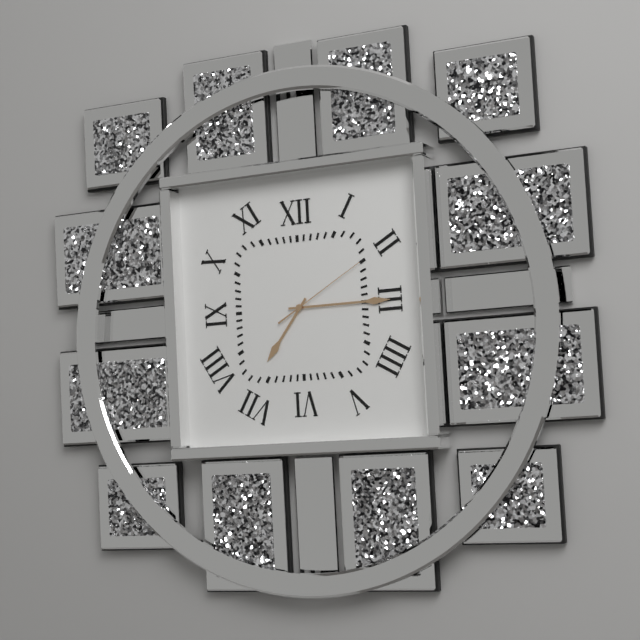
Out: 7:15:10
